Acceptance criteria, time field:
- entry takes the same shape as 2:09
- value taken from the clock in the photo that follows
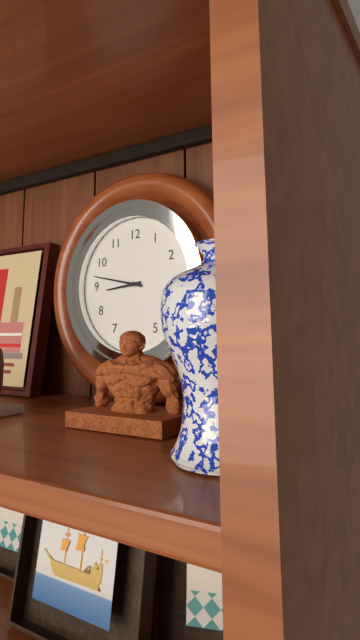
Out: 8:47
